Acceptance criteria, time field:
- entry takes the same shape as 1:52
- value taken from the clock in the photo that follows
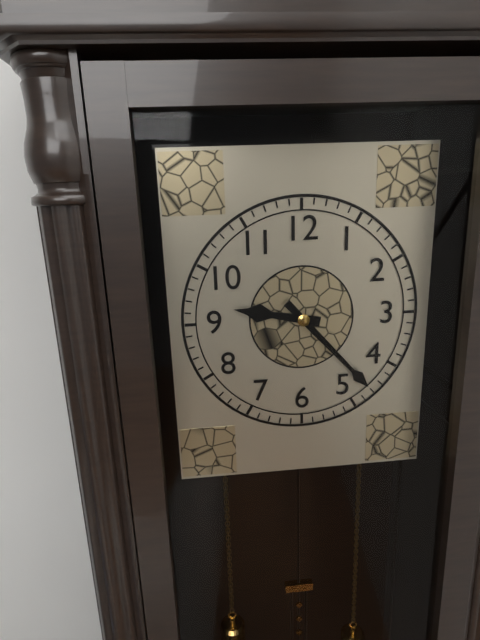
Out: 9:23
